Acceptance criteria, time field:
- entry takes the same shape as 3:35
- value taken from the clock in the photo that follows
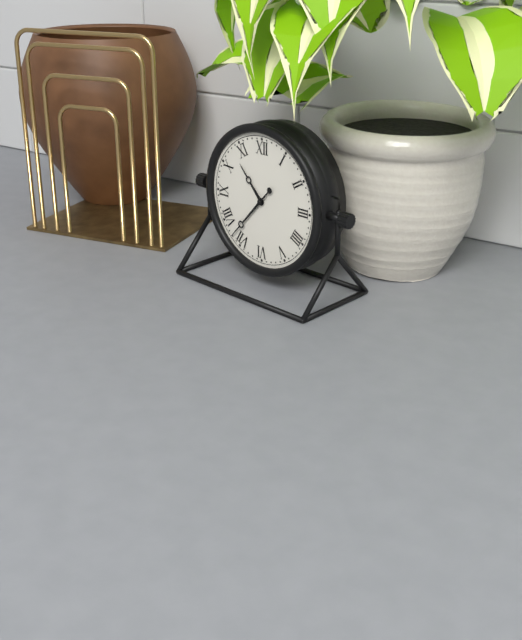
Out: 10:37
